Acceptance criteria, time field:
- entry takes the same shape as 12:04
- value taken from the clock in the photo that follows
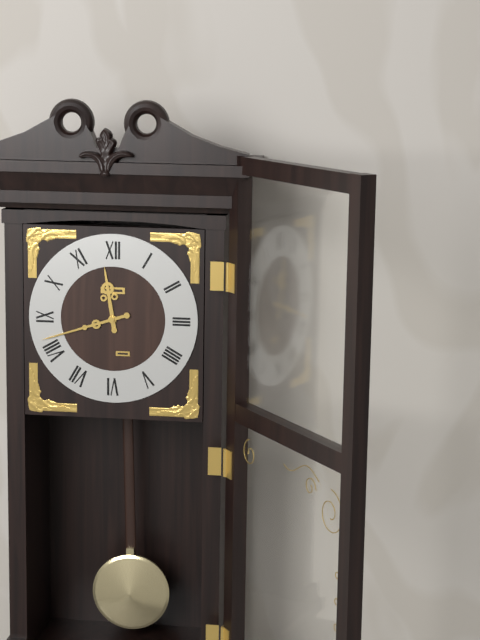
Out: 11:42
